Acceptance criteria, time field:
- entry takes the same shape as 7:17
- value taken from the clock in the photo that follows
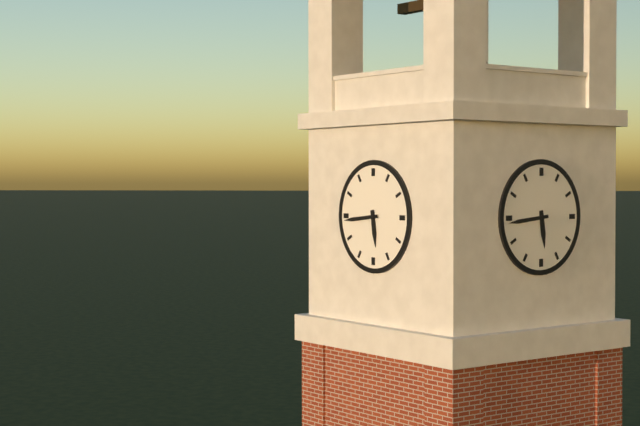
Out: 5:44
